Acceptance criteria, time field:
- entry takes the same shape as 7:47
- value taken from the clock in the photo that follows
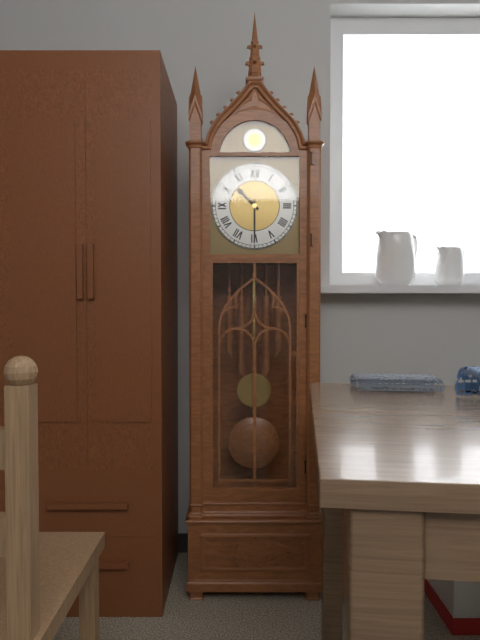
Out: 10:30
